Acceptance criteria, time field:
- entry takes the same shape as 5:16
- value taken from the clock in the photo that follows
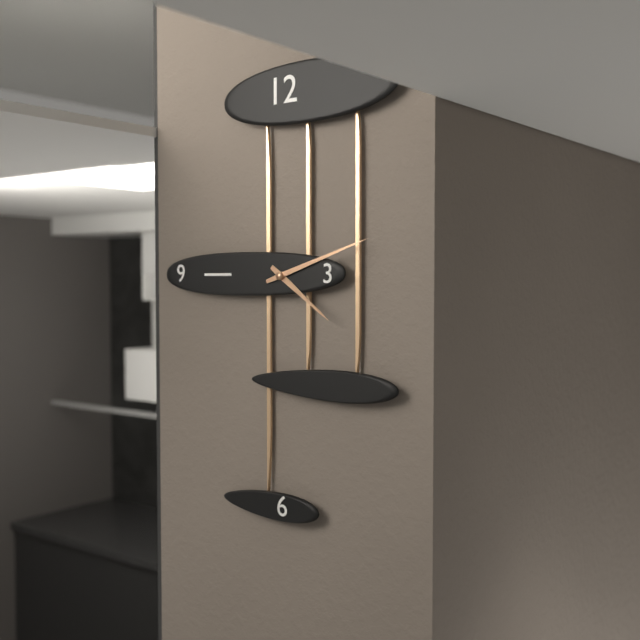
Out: 4:12
